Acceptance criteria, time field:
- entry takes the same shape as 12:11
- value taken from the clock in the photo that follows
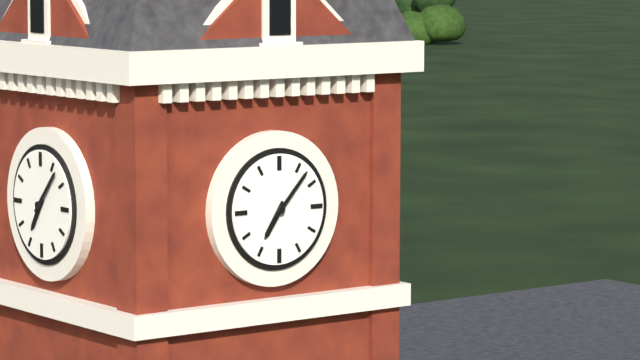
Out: 7:07
